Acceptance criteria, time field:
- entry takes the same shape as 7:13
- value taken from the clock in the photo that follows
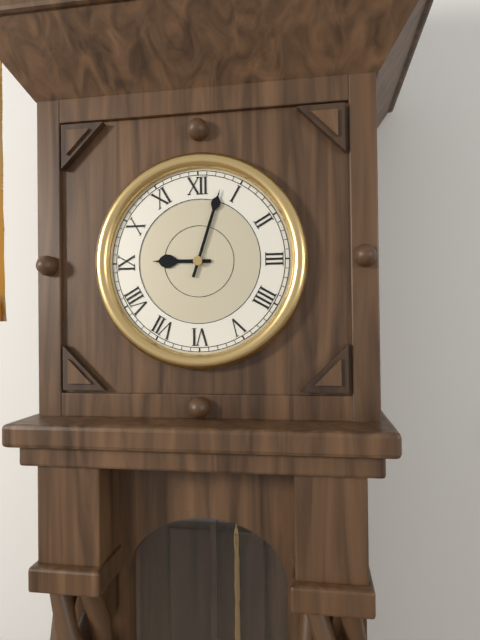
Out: 9:03
